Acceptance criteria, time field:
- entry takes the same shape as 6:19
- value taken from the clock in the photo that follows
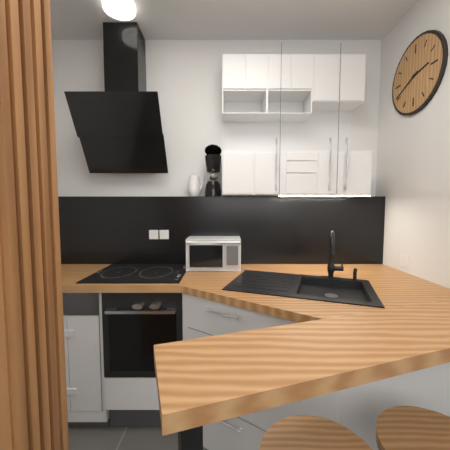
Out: 2:41
